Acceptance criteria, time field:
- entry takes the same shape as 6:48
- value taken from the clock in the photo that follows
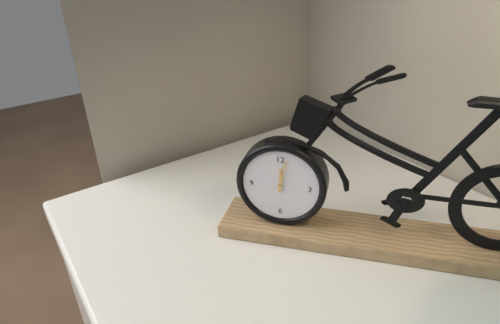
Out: 12:02
